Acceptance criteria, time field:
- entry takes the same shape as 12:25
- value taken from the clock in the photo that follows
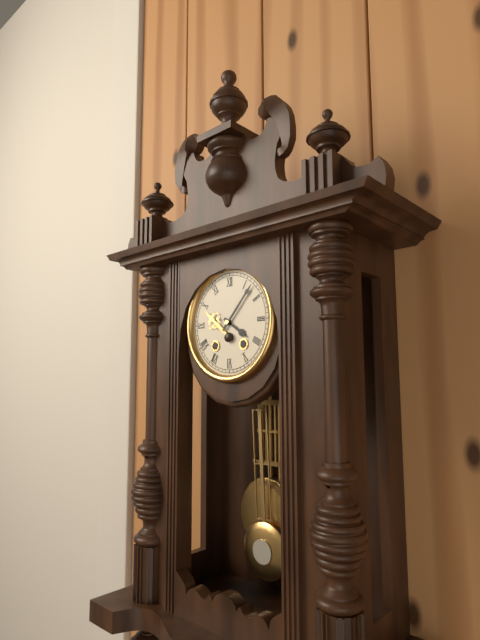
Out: 4:07
